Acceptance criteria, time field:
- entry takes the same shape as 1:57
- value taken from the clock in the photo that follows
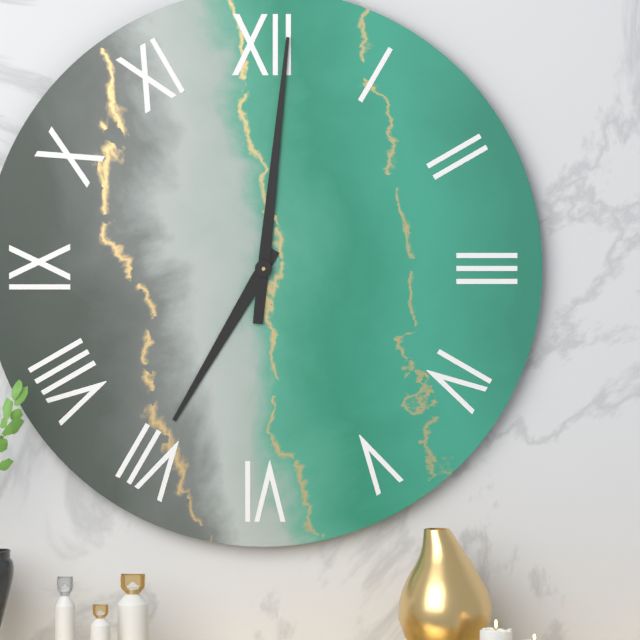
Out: 7:01
